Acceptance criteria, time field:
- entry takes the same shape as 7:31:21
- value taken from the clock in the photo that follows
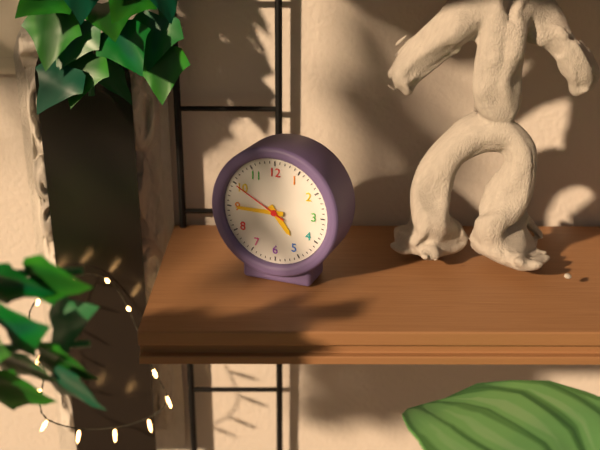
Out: 4:45:50
